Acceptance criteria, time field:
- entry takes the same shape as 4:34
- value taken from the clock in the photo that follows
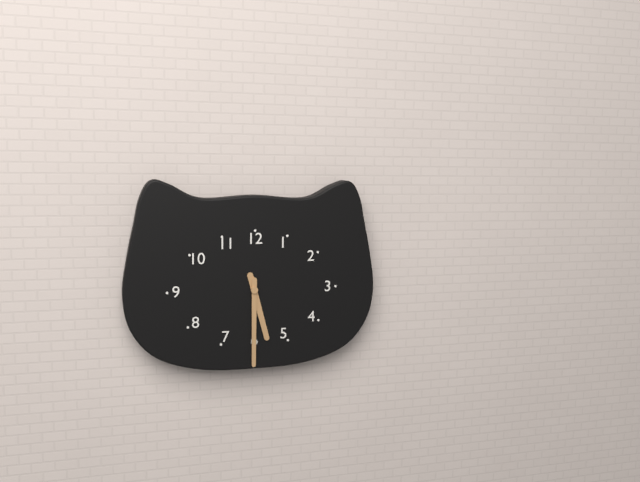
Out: 5:30
